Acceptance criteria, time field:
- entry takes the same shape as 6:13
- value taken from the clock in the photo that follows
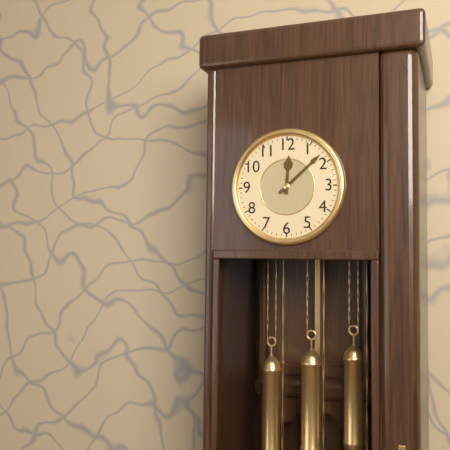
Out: 12:08
